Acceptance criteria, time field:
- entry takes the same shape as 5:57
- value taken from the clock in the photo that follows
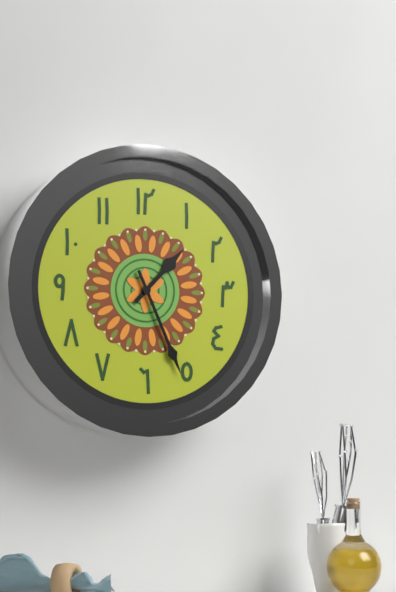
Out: 1:26
